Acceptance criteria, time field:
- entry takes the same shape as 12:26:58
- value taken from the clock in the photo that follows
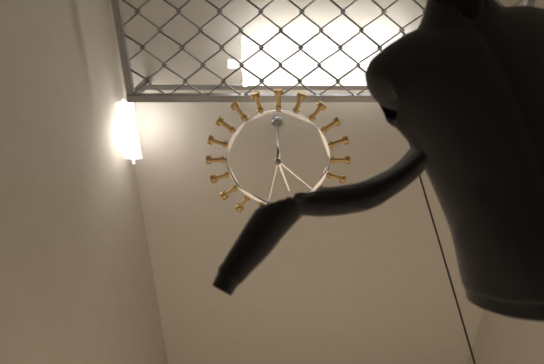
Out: 5:22:32
